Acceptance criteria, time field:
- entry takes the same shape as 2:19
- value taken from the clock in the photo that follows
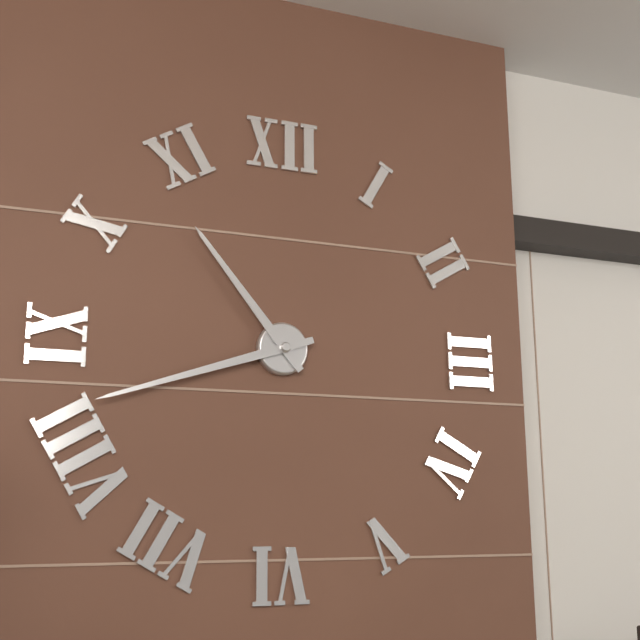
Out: 10:42
